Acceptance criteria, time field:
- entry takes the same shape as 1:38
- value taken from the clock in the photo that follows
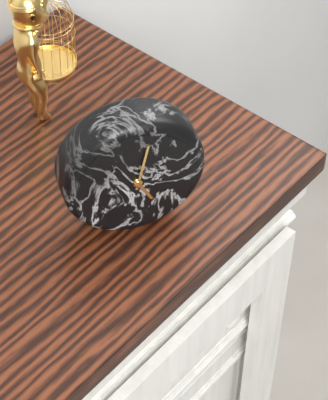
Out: 5:02
